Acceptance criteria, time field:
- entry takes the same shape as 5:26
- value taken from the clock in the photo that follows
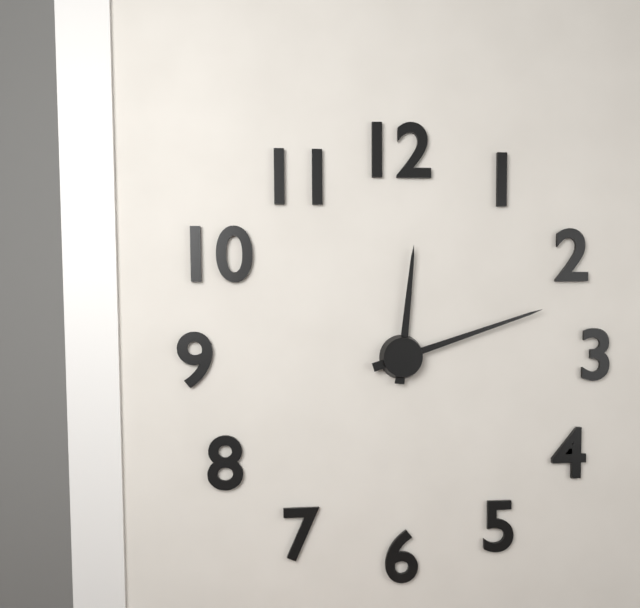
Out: 12:12
